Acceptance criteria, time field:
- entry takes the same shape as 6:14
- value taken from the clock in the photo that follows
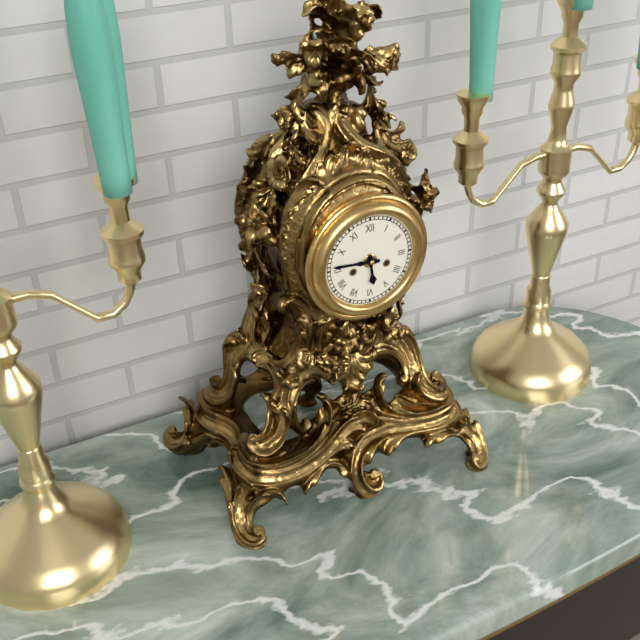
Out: 5:46
